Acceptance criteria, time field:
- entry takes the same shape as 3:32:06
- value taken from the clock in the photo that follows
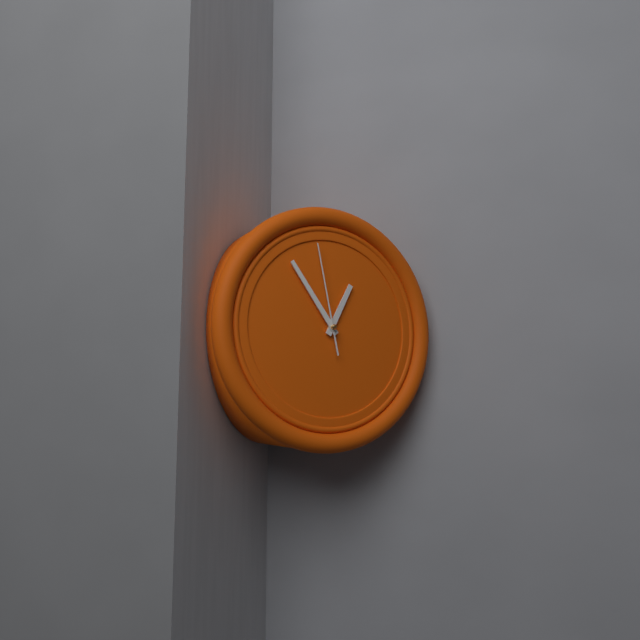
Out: 12:54:58
